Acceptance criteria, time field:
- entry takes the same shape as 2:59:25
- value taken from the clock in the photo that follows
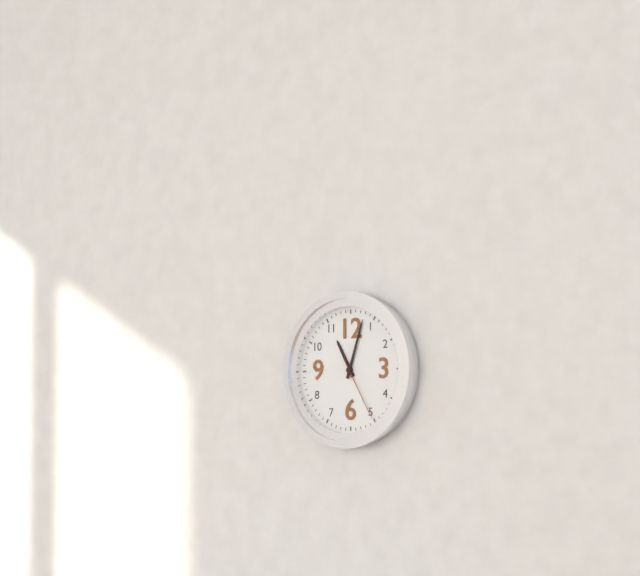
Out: 11:03:25
